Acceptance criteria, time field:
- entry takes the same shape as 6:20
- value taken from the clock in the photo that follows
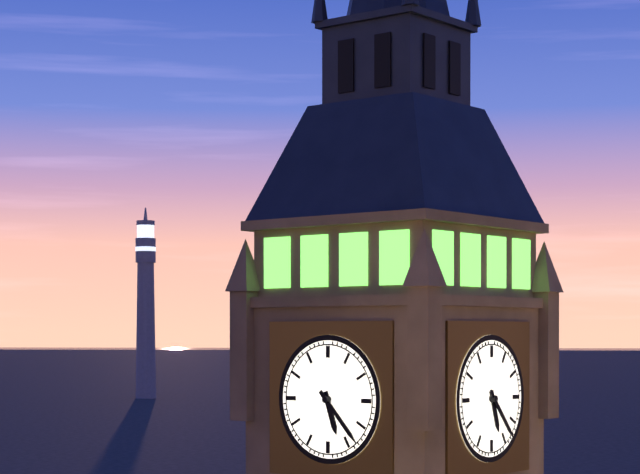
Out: 5:23
